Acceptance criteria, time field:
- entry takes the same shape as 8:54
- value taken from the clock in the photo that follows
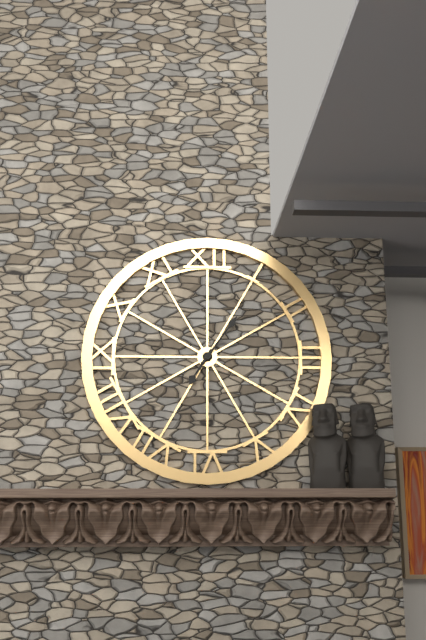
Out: 7:06
